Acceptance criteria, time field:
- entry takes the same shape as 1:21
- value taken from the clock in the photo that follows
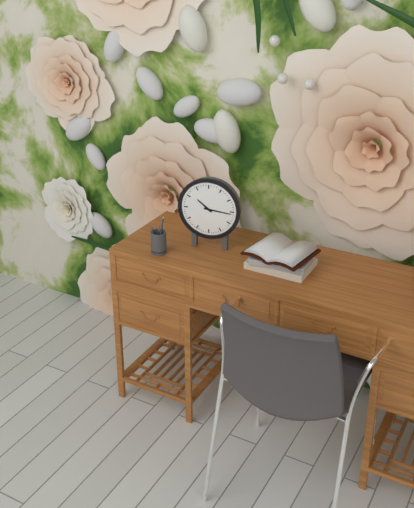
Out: 10:16
